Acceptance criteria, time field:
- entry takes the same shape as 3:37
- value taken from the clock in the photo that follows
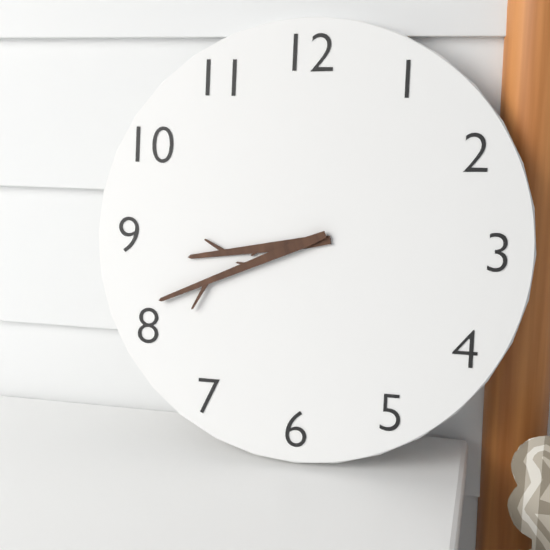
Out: 8:41
